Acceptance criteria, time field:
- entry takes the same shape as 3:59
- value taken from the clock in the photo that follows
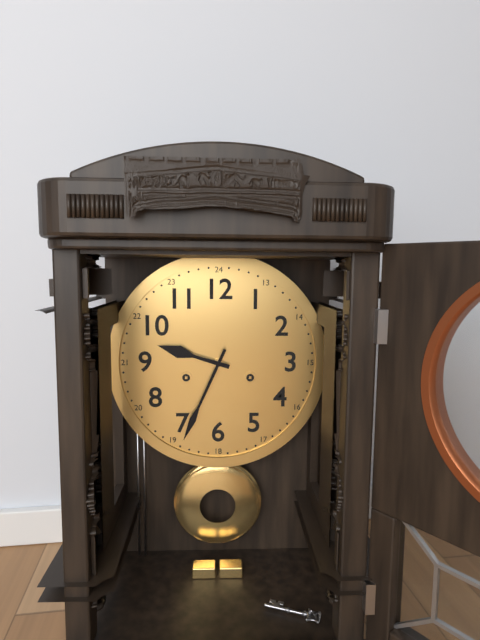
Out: 9:34
